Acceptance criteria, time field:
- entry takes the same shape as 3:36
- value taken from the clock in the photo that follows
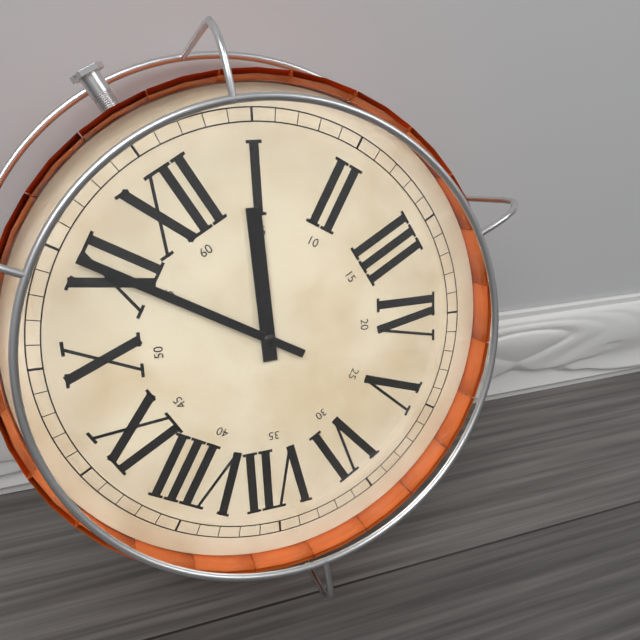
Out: 12:55
